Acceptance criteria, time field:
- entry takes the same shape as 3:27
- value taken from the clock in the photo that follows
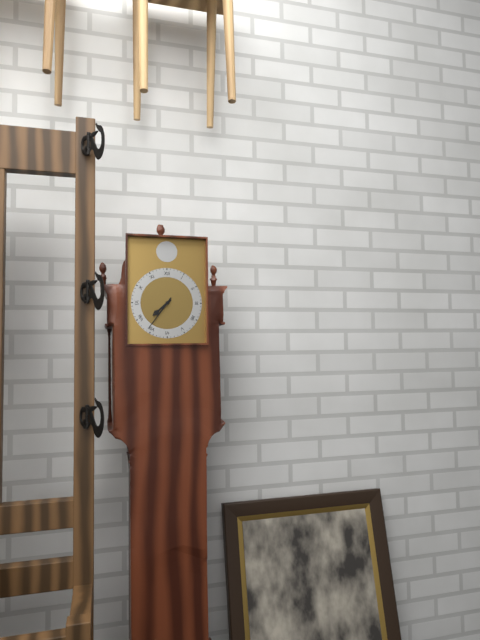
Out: 7:36
